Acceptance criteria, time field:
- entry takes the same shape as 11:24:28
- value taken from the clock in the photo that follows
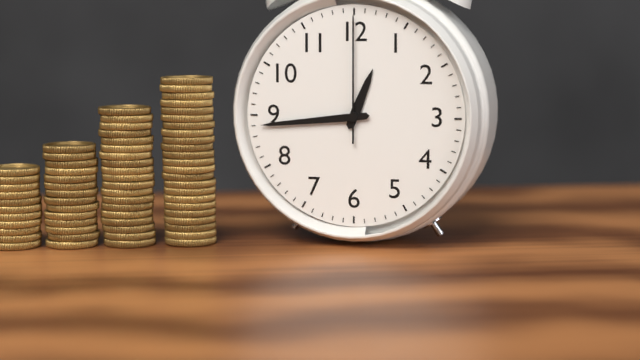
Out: 12:44:00
